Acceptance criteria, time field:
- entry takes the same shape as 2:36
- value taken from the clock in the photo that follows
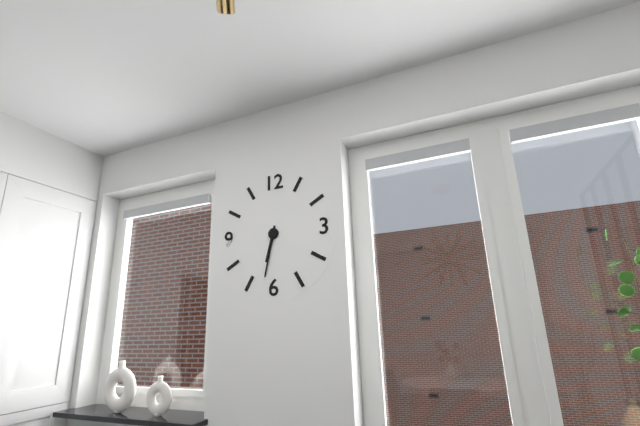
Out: 6:32
